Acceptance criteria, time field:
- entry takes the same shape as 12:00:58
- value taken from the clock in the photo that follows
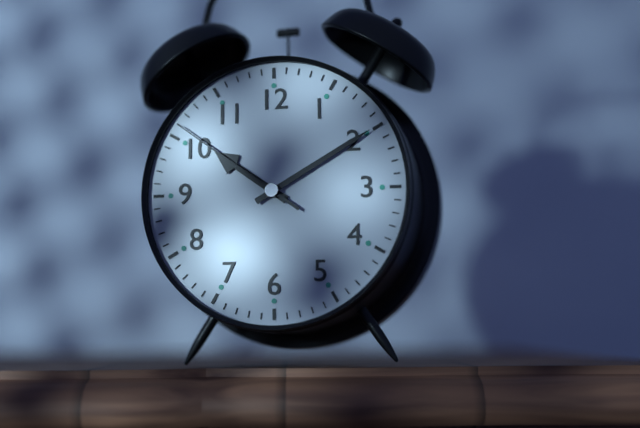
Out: 10:10:51
